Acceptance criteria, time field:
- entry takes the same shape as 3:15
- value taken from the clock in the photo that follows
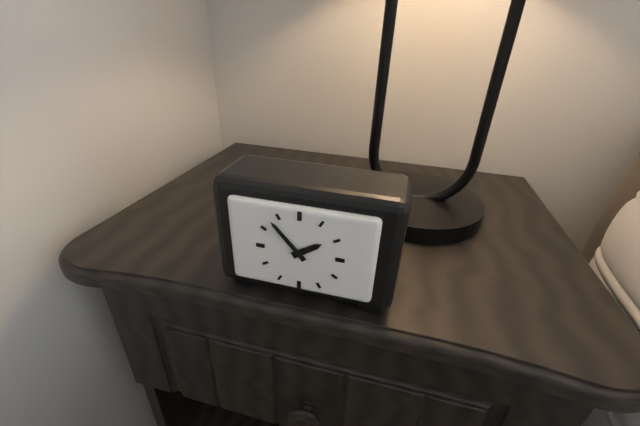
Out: 1:53
